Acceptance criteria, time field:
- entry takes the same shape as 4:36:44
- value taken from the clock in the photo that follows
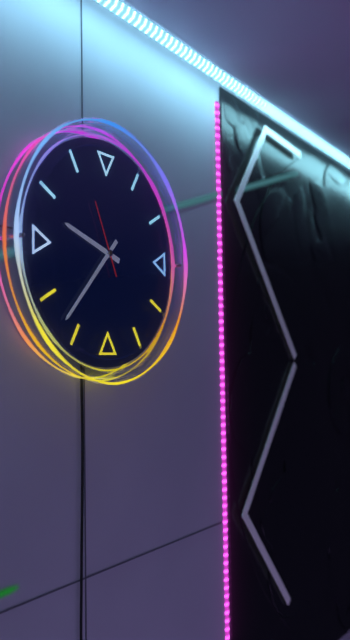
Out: 9:37:56
